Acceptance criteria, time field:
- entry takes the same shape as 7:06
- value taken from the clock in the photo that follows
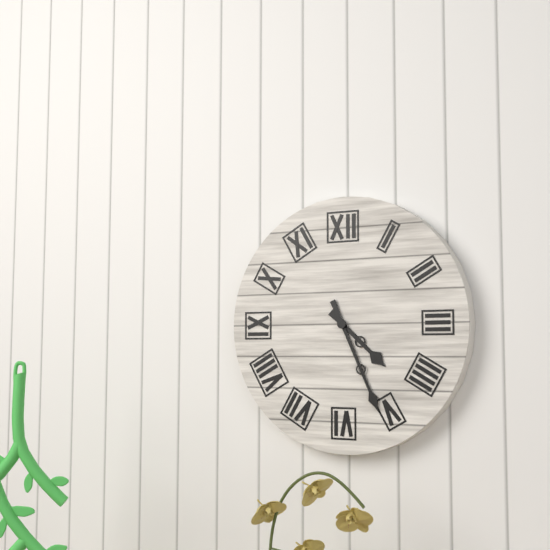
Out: 4:26
